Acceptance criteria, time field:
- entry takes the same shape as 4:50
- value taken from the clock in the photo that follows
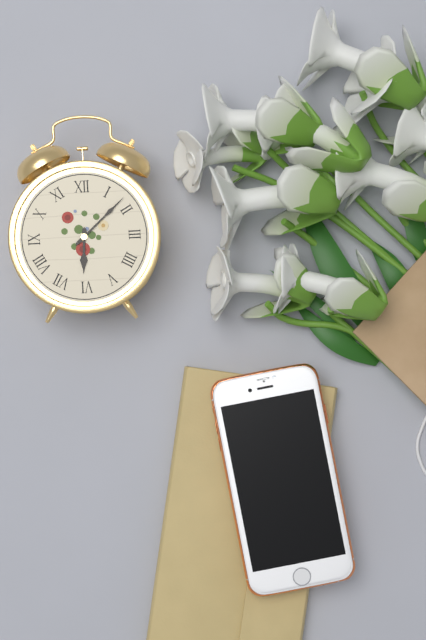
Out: 6:08
